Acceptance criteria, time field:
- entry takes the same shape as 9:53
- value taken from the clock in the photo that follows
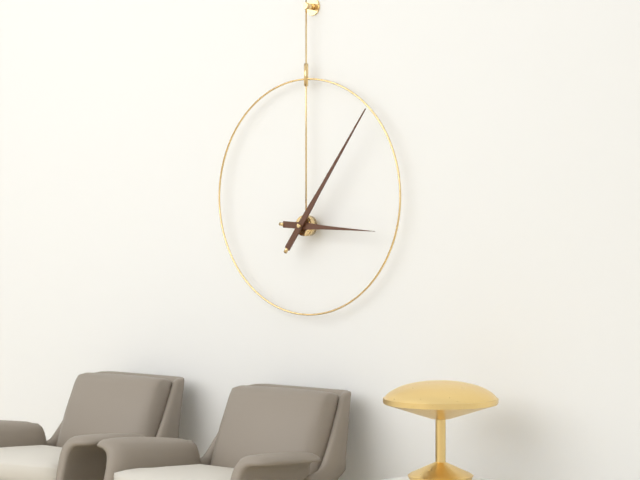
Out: 3:06
